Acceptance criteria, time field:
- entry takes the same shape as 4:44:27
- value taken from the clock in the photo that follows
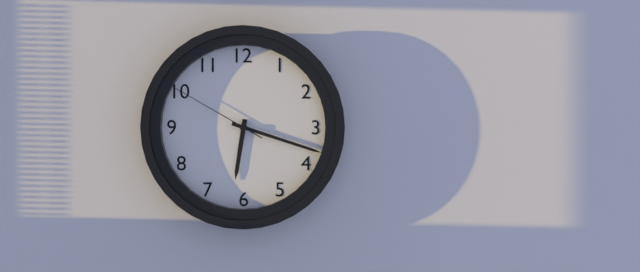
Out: 6:18:50
